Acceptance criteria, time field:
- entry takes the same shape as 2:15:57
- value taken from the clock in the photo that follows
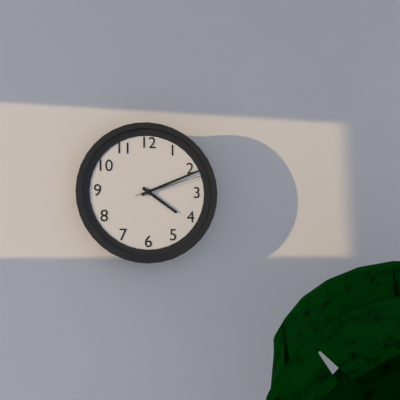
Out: 4:11:12
